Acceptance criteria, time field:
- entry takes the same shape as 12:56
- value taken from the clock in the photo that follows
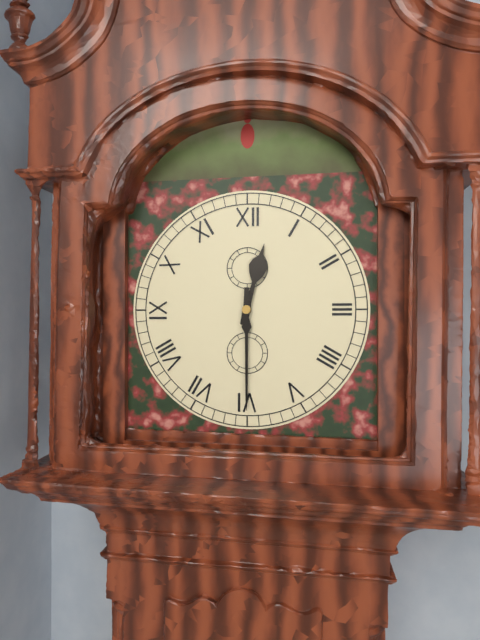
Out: 12:30
